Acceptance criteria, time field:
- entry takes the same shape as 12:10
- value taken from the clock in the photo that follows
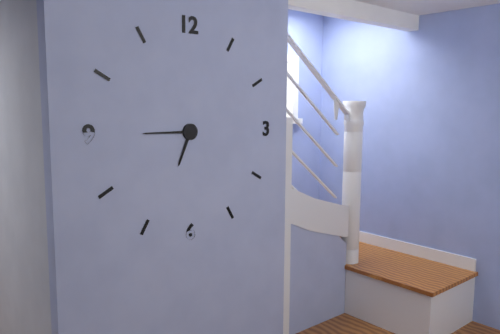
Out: 6:45
